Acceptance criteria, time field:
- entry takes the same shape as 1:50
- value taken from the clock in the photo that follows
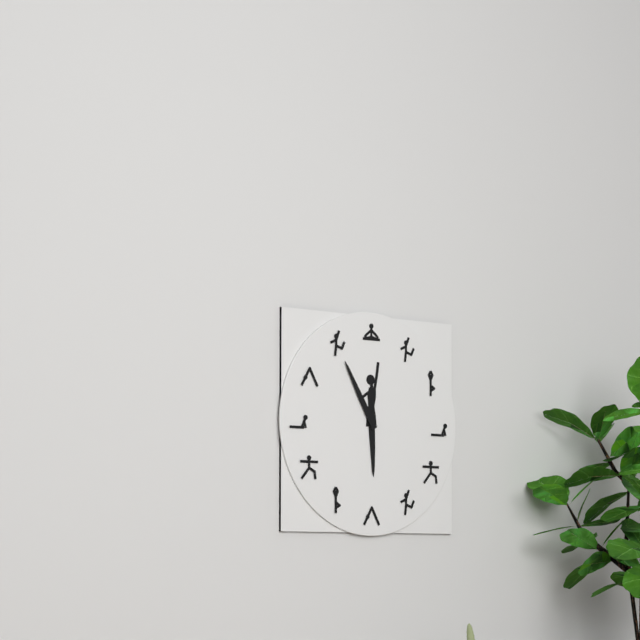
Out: 5:55
